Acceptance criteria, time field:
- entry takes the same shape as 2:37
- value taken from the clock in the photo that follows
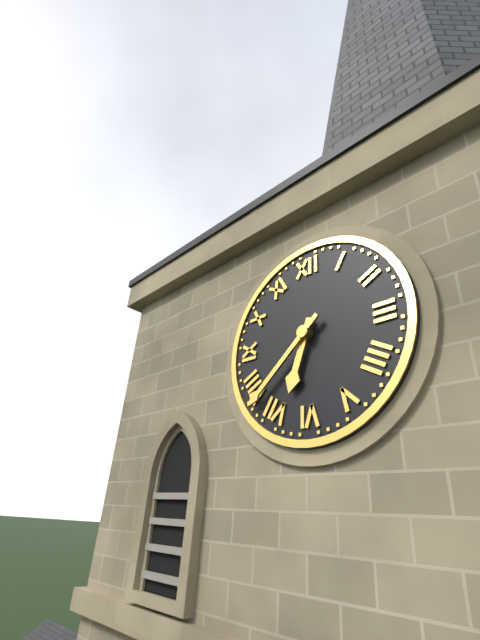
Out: 6:38
